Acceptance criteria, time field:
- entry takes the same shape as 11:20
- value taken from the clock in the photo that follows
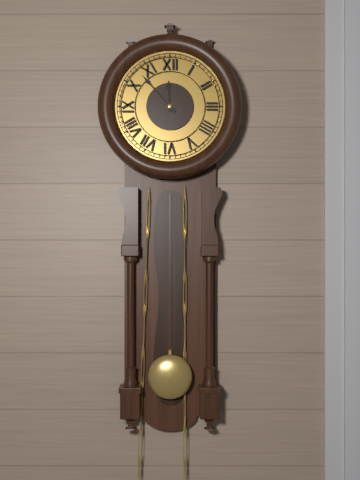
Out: 11:53
